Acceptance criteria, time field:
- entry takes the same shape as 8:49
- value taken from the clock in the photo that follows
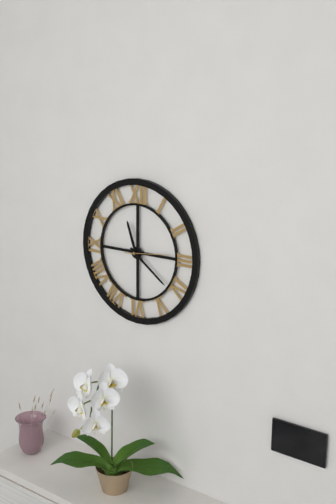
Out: 11:21
